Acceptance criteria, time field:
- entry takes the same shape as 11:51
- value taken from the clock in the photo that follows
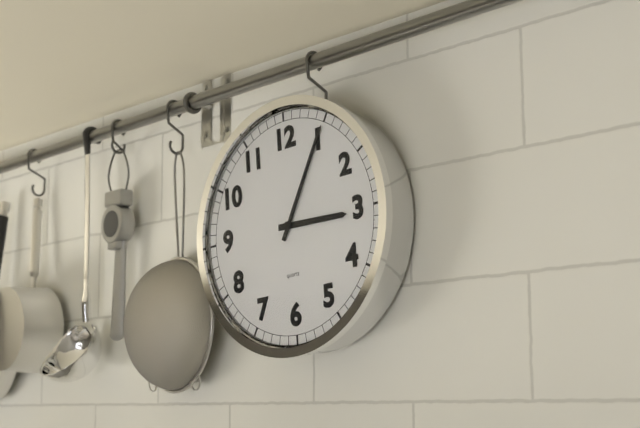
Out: 3:05
